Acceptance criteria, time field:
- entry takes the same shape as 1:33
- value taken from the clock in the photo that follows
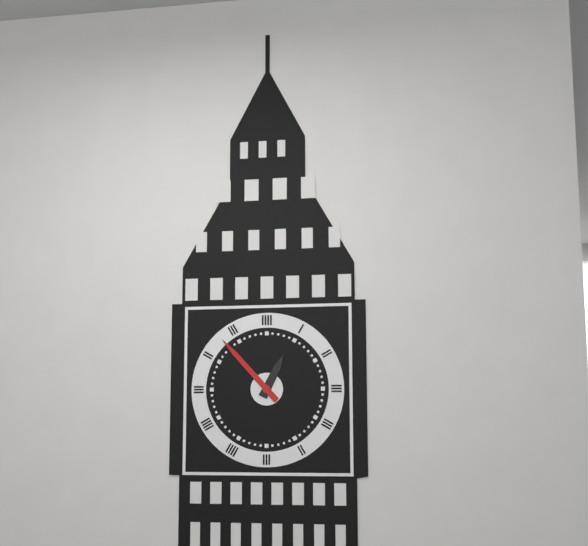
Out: 12:53
